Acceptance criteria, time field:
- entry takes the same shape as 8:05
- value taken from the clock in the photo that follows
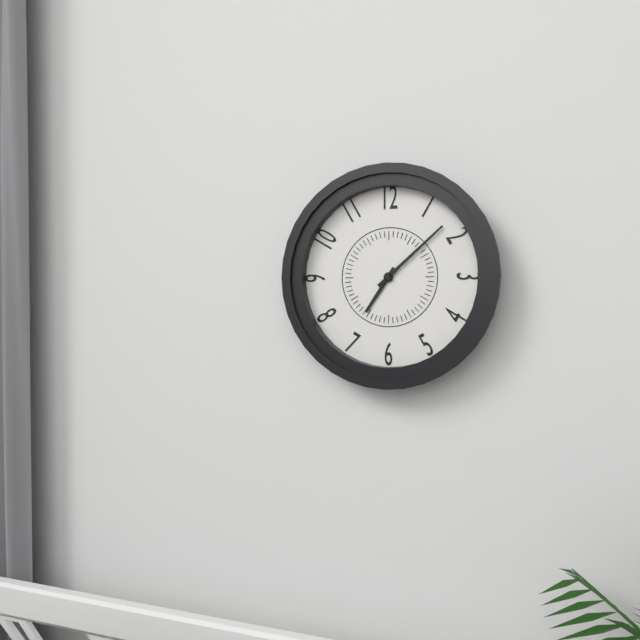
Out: 7:08
